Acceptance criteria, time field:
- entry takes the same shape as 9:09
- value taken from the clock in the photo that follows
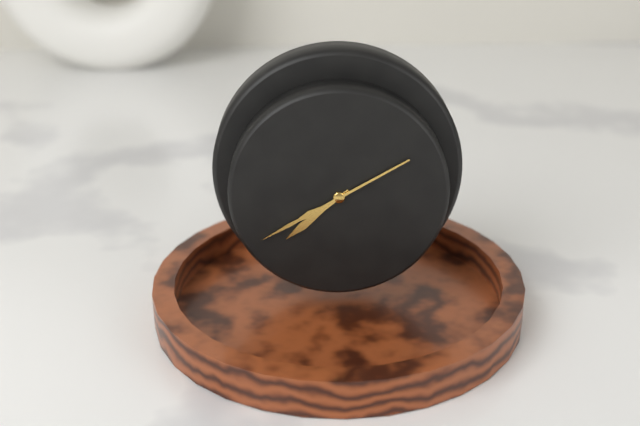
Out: 7:40
